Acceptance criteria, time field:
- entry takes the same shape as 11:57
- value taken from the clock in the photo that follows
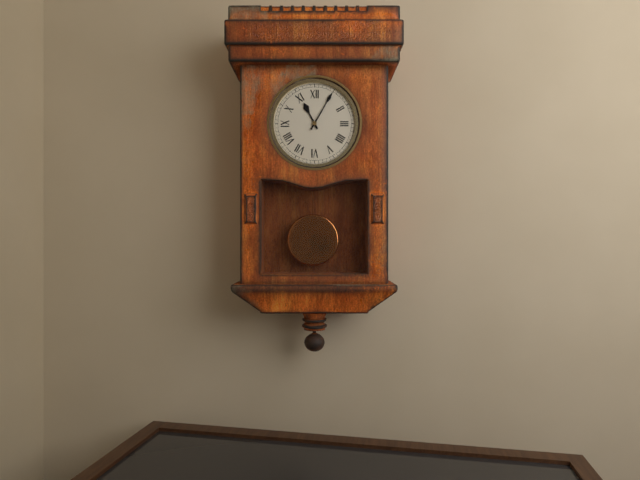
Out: 11:05
